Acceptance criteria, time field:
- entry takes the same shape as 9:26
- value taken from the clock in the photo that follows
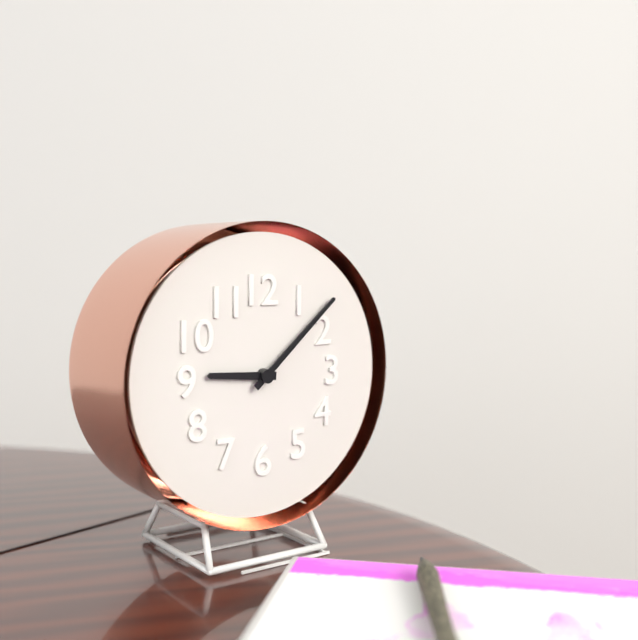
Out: 9:08
